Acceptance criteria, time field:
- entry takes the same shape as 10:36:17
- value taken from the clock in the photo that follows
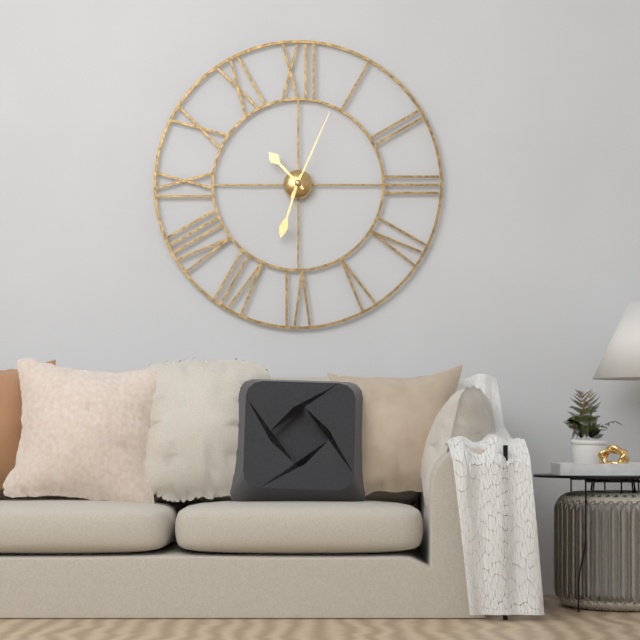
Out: 10:33:04
